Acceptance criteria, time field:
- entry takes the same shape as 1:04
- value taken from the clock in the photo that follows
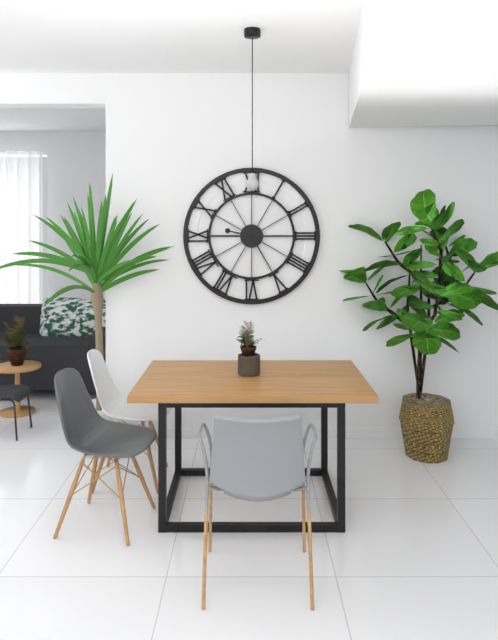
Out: 9:25
